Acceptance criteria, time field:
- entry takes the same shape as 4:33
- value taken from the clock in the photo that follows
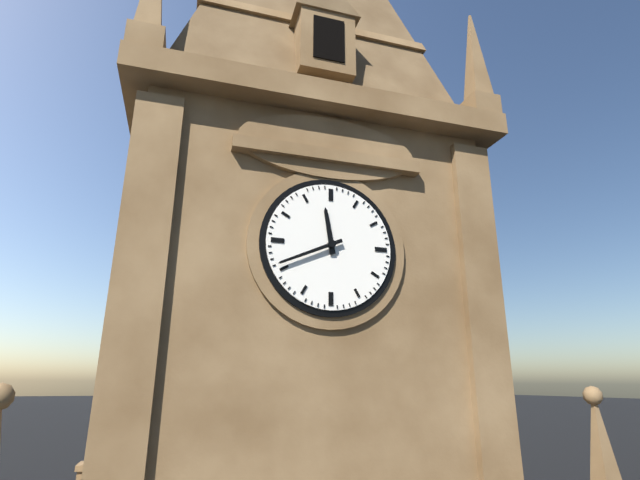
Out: 11:41
